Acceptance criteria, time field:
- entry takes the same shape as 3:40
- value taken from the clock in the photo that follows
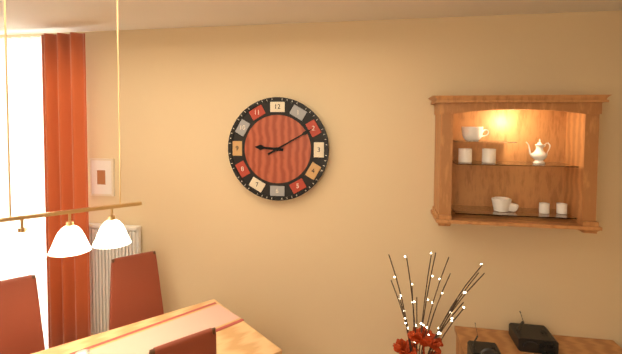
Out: 9:10
